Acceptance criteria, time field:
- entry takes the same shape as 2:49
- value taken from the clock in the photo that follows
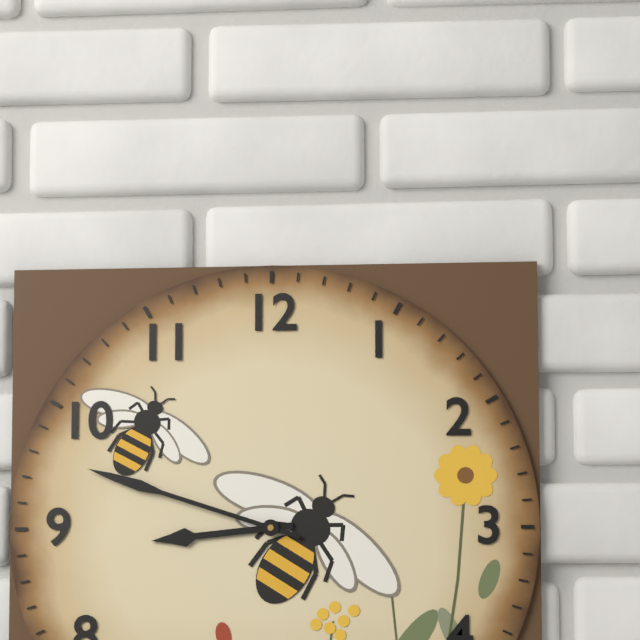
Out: 8:48
